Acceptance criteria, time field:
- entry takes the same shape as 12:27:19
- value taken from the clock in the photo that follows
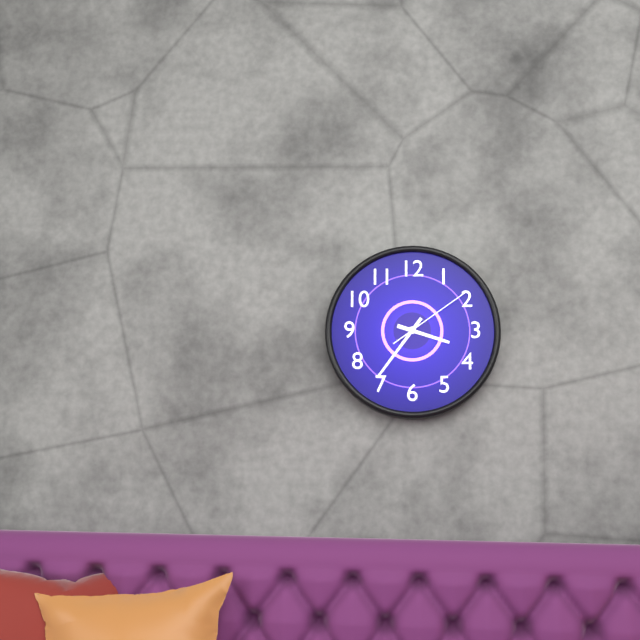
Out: 3:36:09
